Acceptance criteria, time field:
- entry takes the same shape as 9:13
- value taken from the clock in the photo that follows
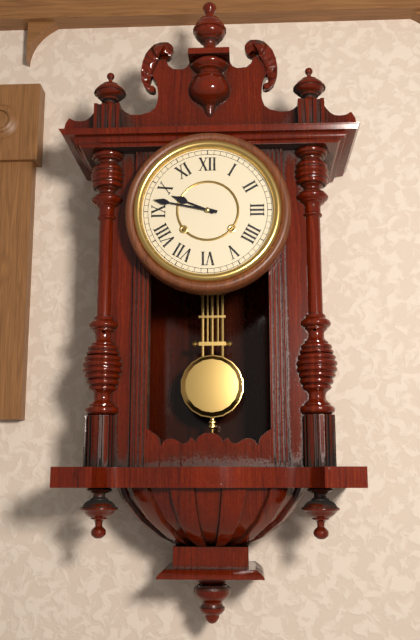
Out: 9:47
